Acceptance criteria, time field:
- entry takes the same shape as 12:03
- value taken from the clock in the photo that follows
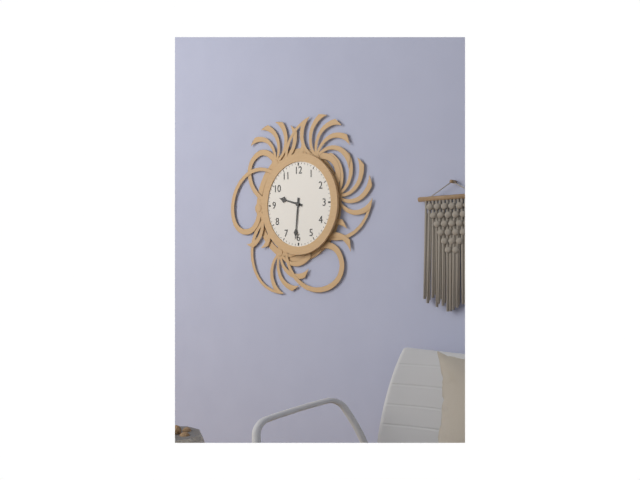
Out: 9:31
